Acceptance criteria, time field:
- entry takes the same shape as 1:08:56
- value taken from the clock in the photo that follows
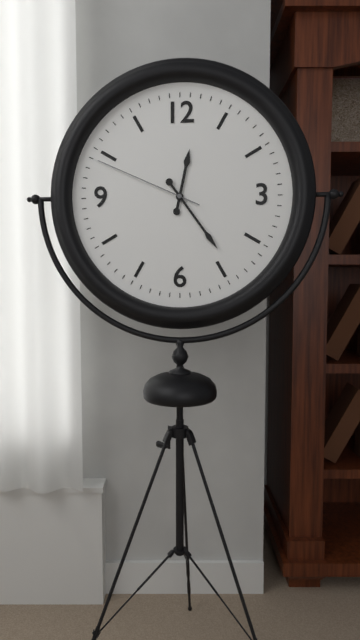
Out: 12:24:49
